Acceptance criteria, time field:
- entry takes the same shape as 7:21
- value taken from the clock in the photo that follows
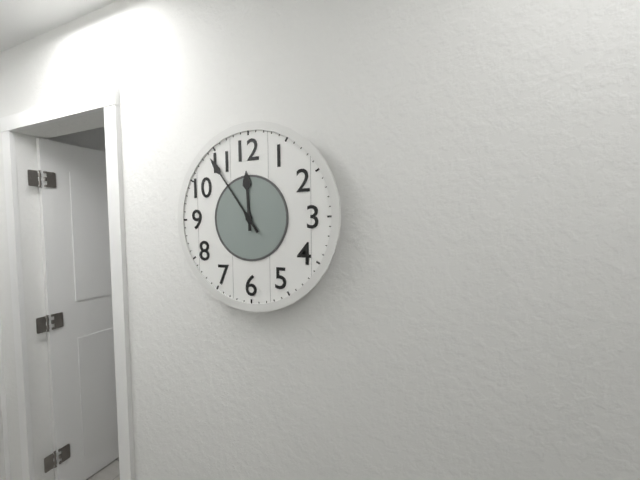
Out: 11:54
